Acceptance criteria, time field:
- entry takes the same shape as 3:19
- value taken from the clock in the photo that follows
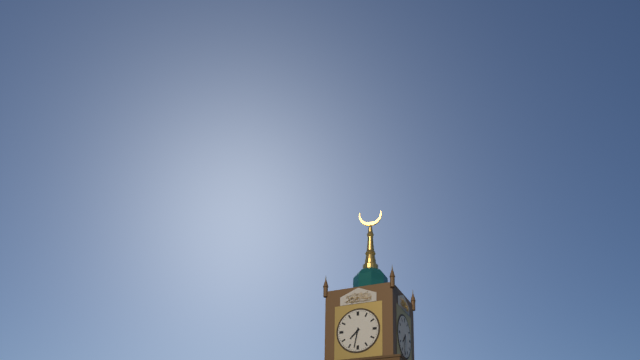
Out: 7:32
